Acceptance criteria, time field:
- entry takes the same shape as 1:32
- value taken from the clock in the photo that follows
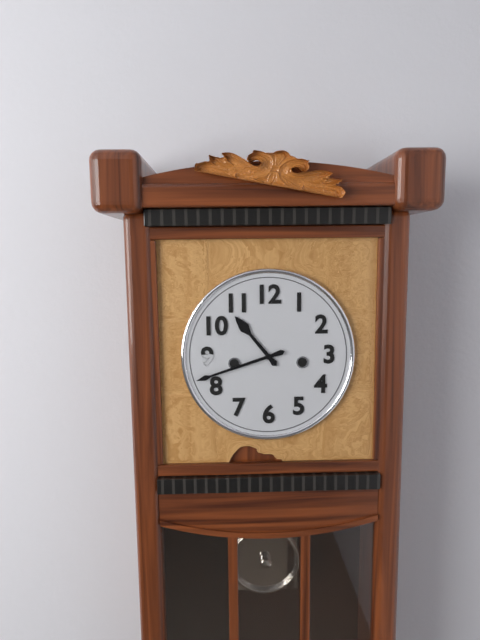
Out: 10:42
